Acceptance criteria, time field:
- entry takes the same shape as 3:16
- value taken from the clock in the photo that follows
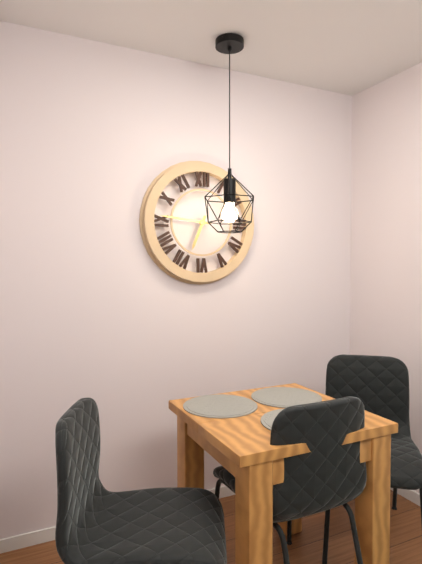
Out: 6:46
